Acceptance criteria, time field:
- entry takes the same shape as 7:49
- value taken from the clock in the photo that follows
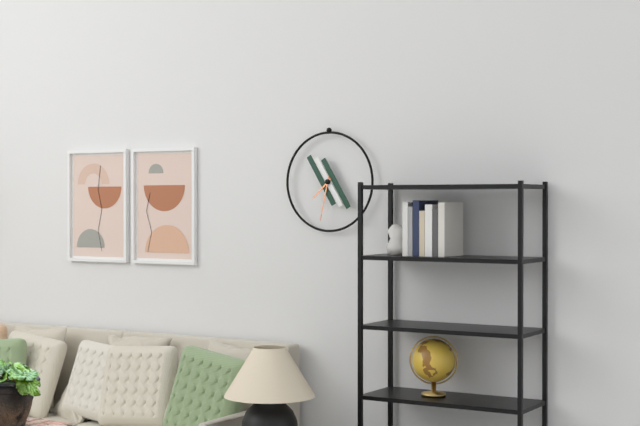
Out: 7:32
